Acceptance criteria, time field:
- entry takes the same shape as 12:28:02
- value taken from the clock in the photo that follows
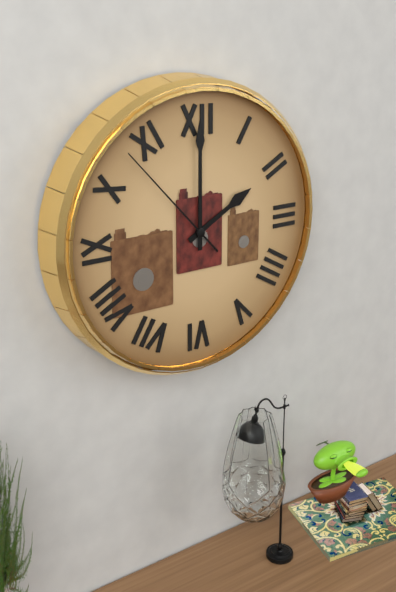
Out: 2:00:53
